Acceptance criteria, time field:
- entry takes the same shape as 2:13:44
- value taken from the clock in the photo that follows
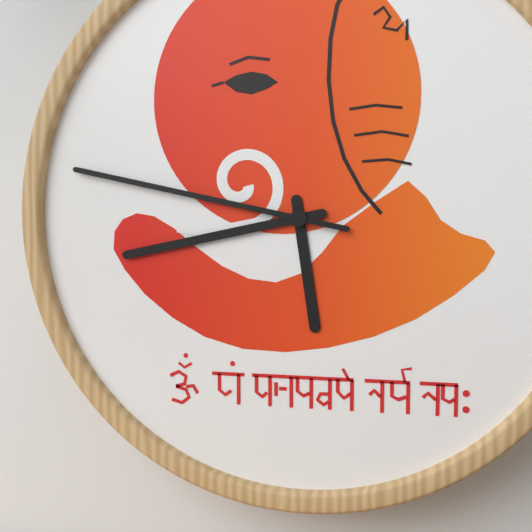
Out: 5:43:47
